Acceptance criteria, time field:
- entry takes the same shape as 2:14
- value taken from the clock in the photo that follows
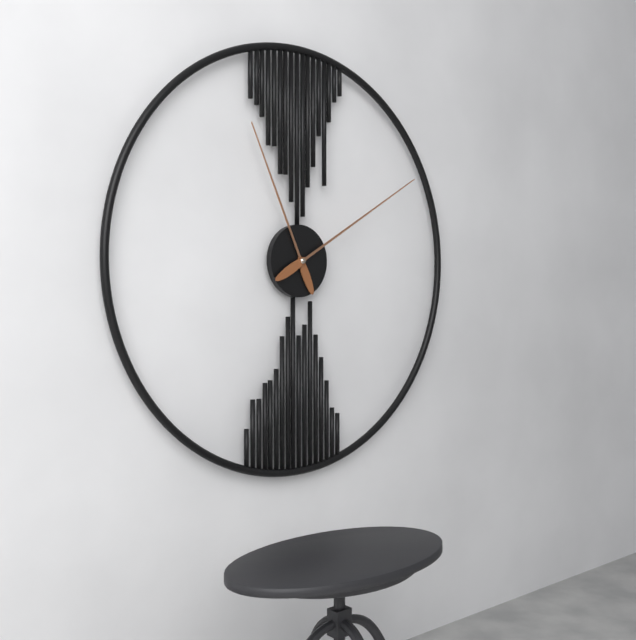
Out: 11:10
